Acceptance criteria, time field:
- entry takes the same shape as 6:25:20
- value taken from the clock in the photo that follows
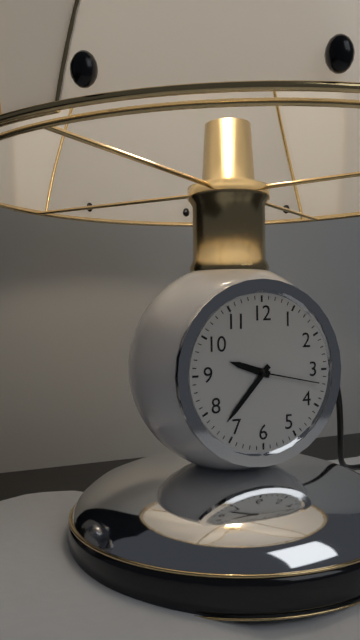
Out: 9:37:17
